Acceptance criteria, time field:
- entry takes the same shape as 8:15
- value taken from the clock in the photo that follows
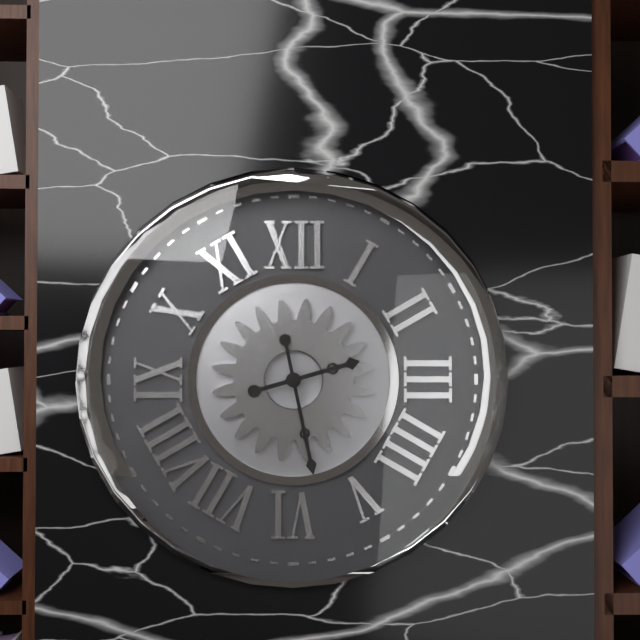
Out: 2:28
